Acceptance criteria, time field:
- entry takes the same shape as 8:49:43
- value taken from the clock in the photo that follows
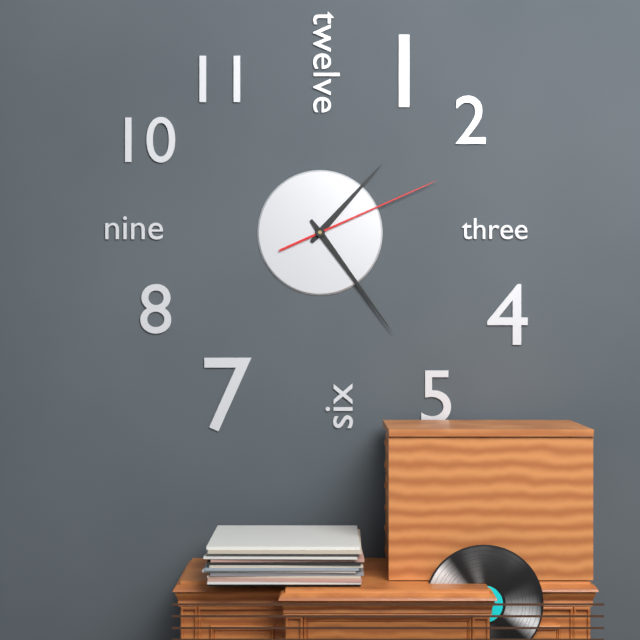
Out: 1:24:11
